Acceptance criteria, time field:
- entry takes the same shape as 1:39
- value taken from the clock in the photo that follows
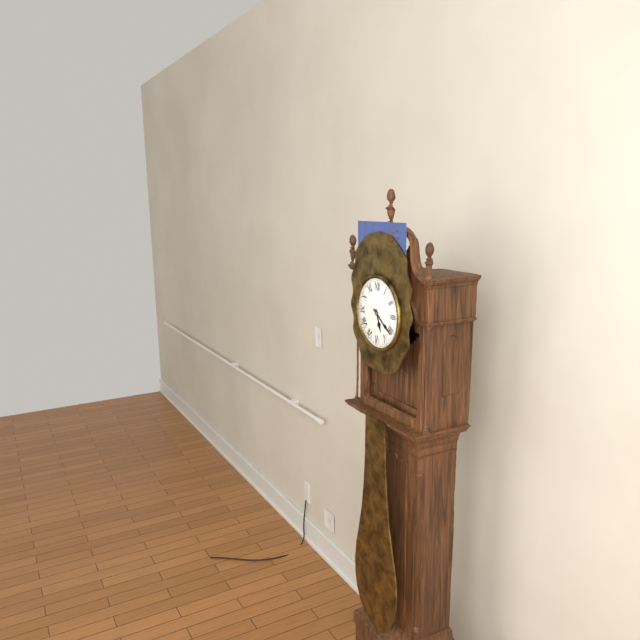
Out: 5:21
